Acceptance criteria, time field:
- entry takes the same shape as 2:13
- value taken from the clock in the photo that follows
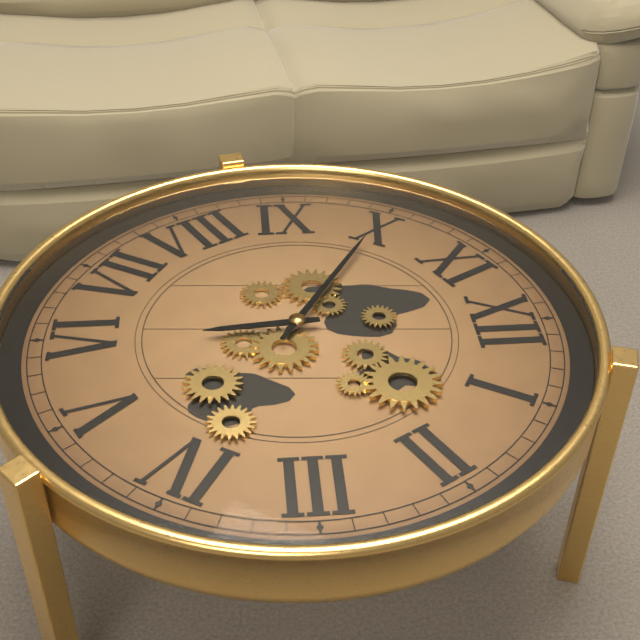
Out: 5:50
